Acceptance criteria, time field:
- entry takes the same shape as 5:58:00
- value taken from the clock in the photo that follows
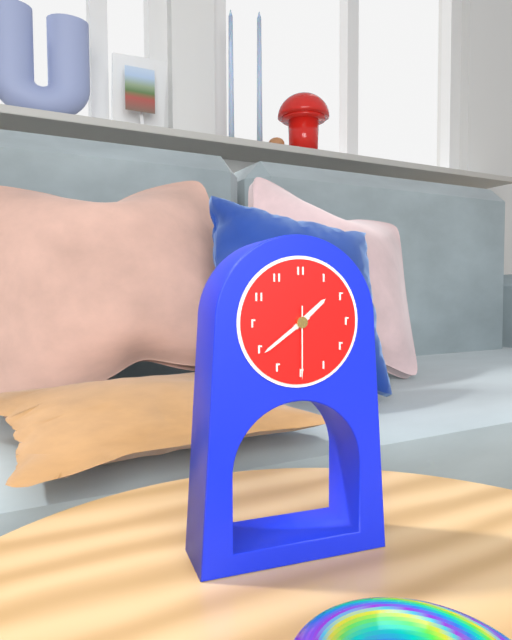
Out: 1:39:30
